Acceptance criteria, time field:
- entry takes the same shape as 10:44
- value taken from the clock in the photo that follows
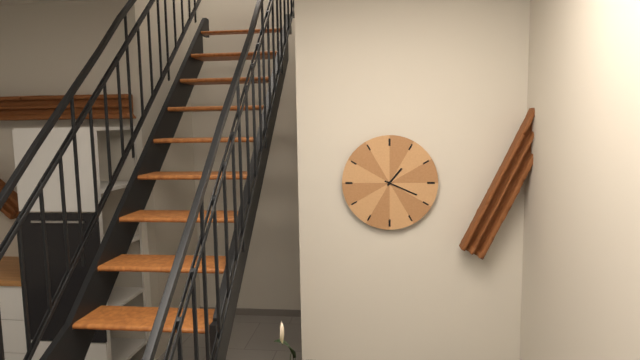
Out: 1:19
